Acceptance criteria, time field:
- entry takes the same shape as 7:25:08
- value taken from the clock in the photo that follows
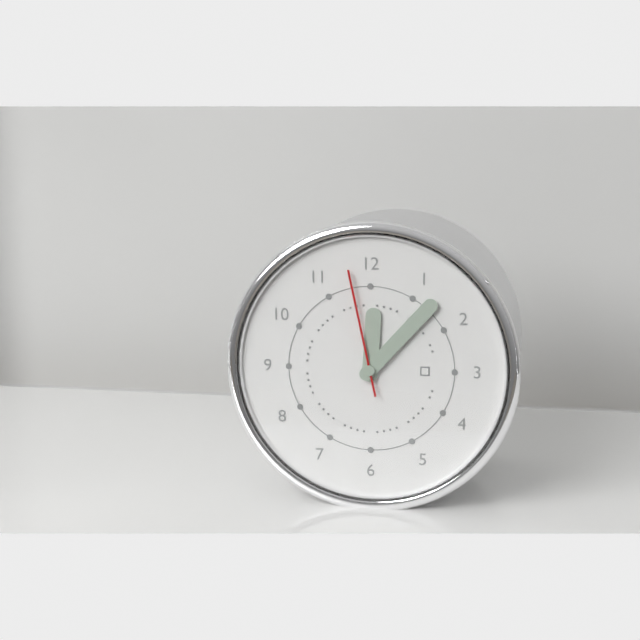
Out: 12:07:58
